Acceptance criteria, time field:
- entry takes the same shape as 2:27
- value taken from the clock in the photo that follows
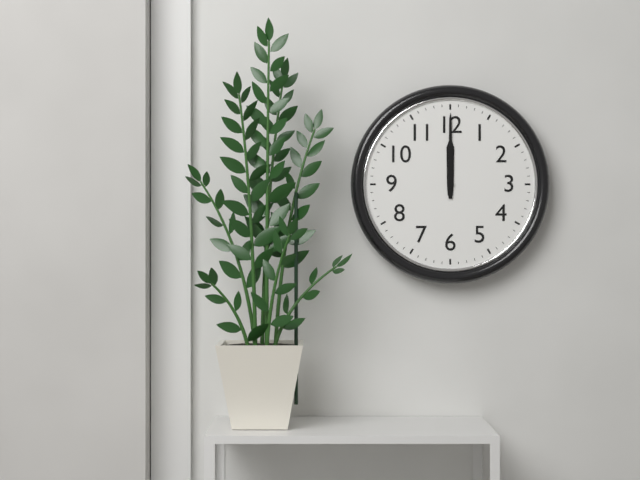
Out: 12:00
